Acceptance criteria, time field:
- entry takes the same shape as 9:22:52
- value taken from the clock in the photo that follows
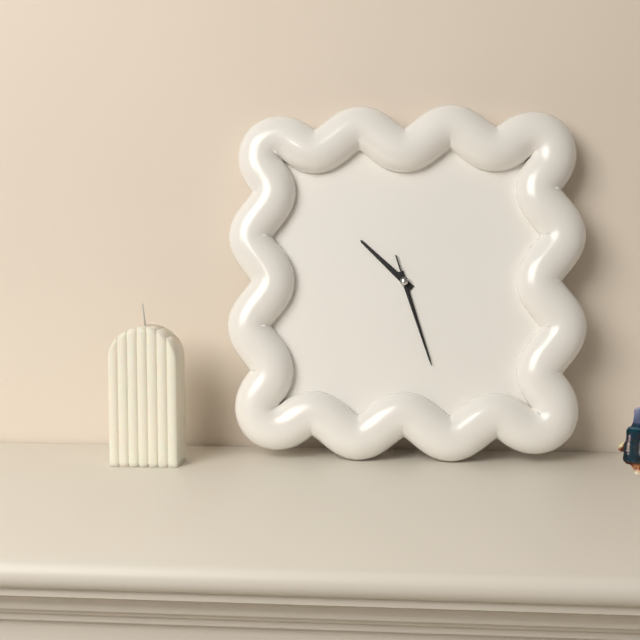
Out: 10:27:27
